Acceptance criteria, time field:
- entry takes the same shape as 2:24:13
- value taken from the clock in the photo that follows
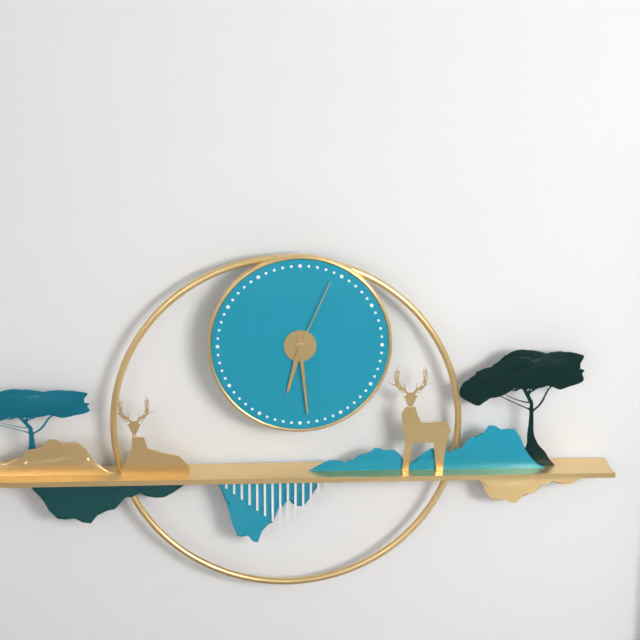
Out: 6:29:04
